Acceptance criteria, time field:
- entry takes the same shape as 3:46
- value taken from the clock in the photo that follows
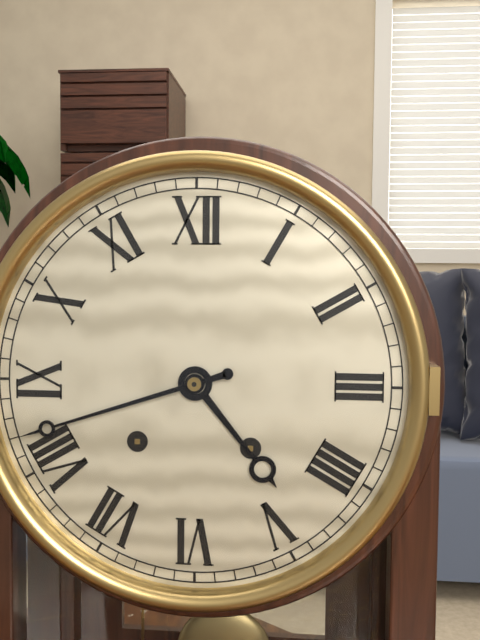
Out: 4:42
